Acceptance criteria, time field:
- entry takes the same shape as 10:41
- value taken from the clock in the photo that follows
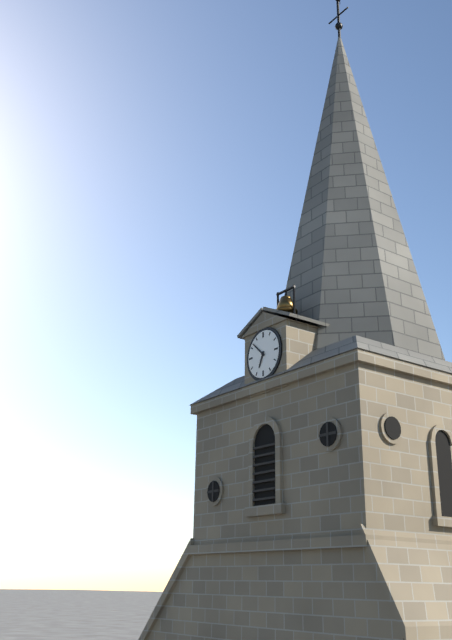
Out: 6:52
